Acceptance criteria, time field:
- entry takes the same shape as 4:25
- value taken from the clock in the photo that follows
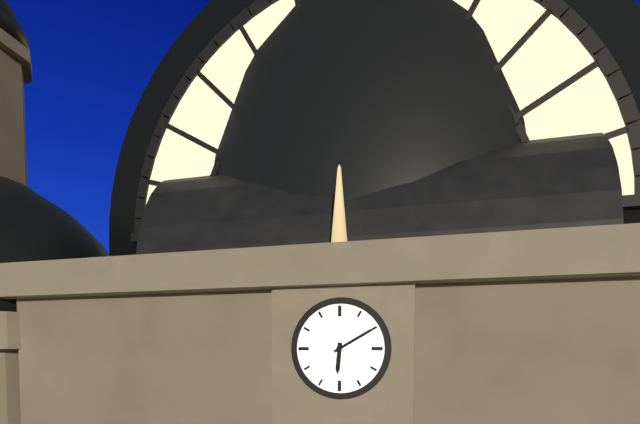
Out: 6:10
